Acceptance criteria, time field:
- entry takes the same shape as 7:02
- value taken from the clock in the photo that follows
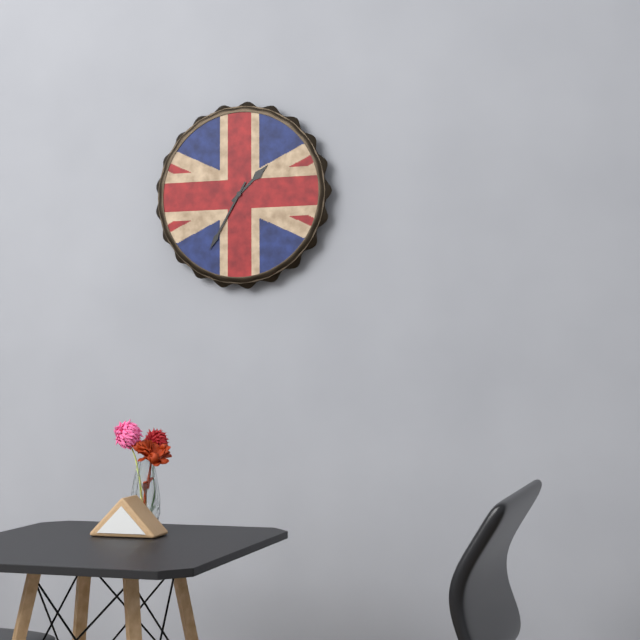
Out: 1:35
